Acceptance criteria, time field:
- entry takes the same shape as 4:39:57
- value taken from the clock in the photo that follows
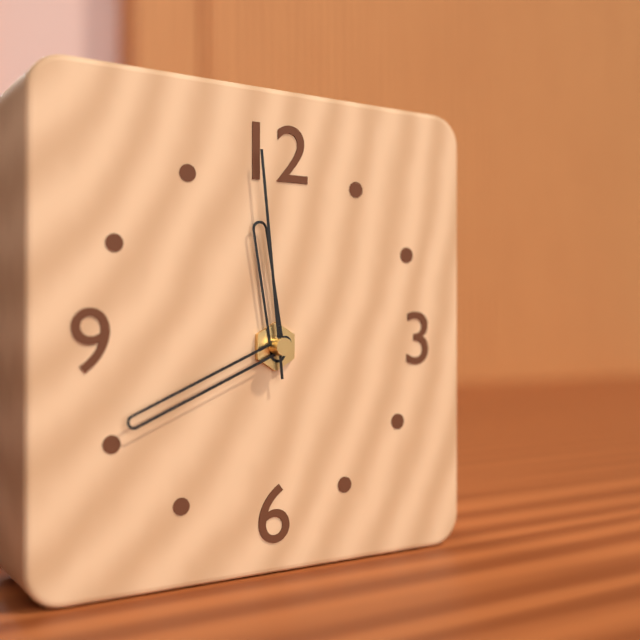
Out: 11:41:59
